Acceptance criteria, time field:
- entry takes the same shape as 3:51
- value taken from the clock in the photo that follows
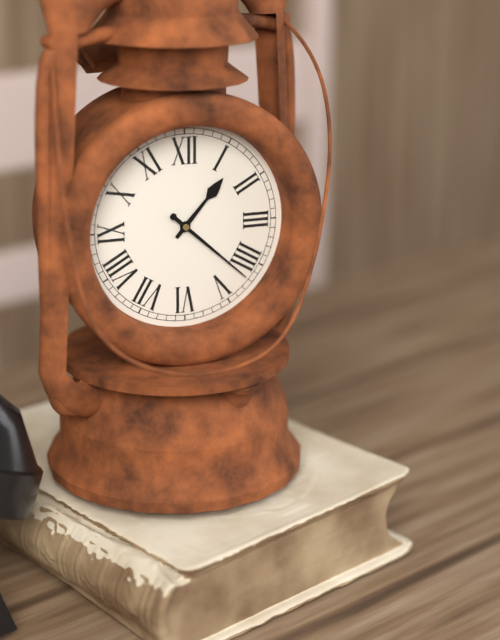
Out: 1:22
